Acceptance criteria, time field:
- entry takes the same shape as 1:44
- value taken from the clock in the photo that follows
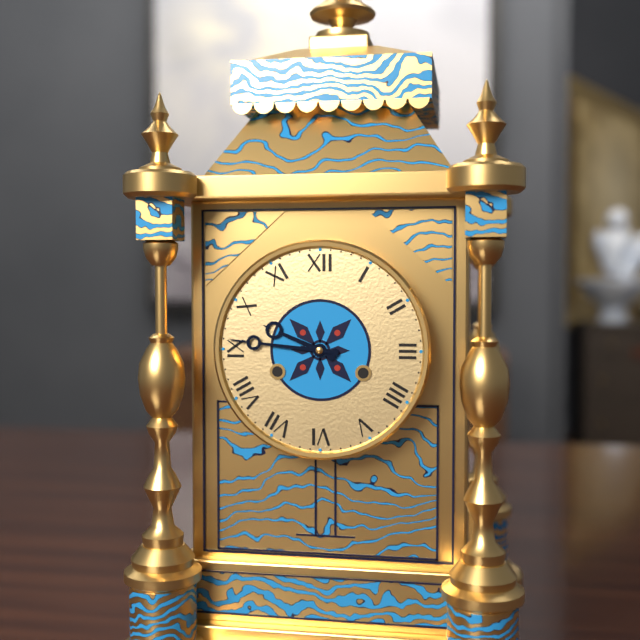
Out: 9:46
